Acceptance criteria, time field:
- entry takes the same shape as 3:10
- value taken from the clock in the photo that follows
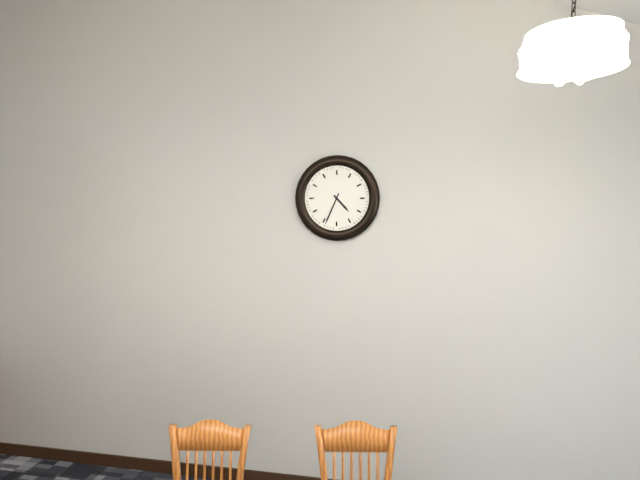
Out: 4:34
